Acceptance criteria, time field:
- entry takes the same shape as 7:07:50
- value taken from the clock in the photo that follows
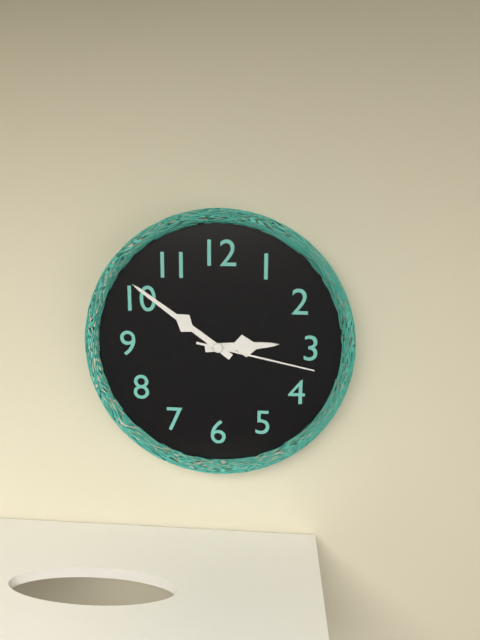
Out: 2:51:17
